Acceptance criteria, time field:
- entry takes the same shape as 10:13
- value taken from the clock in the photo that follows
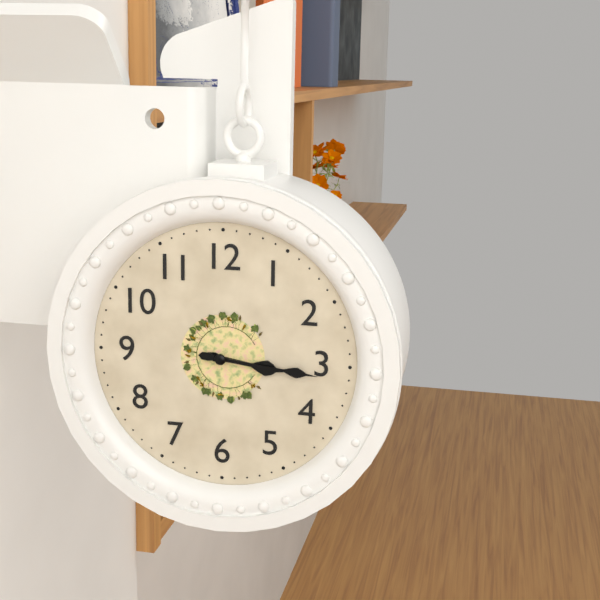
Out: 3:16
